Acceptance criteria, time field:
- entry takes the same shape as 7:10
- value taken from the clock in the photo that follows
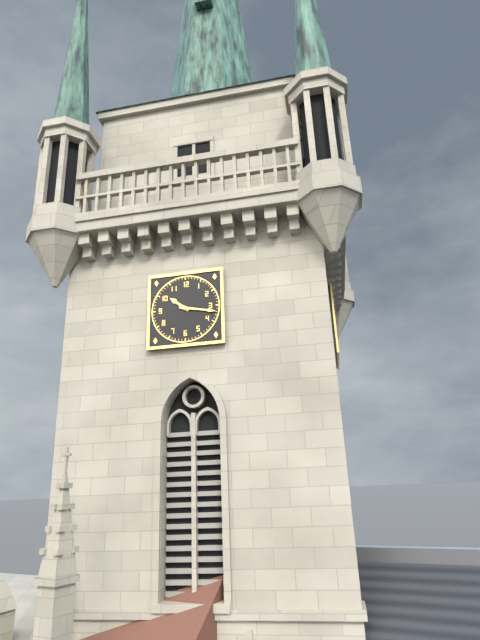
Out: 10:17
